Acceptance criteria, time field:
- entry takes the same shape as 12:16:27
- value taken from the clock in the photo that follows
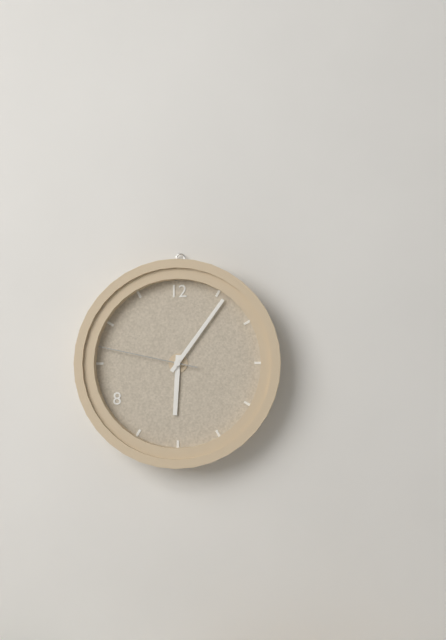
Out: 6:06:47
